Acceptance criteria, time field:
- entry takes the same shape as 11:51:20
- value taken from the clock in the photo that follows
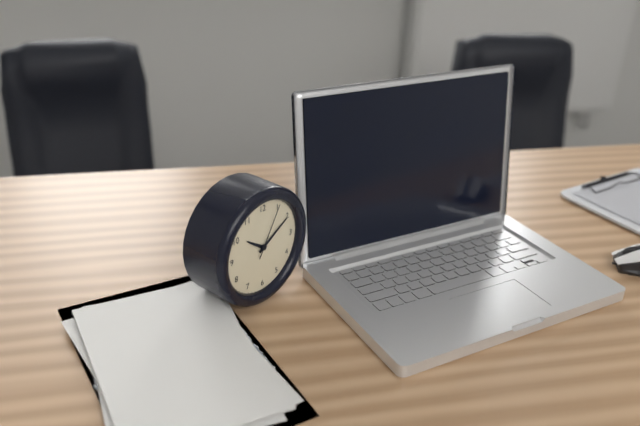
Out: 10:10:05
